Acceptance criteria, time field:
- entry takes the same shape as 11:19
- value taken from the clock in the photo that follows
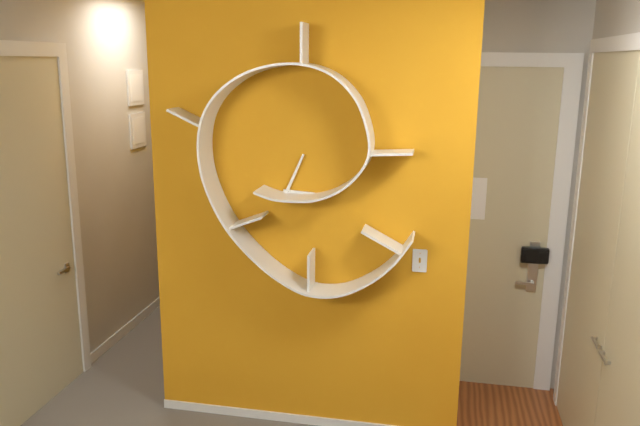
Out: 3:04
